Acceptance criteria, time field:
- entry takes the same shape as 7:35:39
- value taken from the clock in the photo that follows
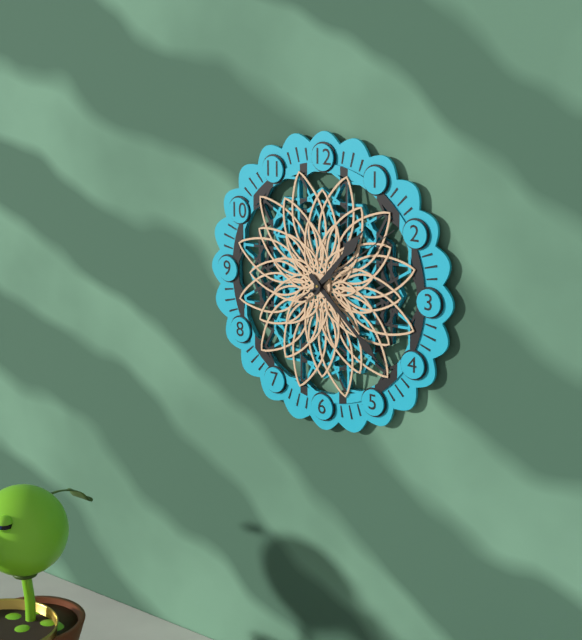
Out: 1:22:09
